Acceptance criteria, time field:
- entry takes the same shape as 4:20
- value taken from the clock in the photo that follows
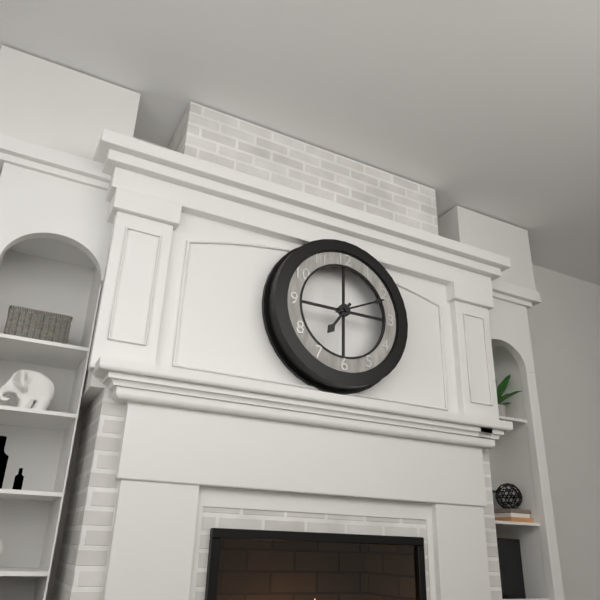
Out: 7:11
